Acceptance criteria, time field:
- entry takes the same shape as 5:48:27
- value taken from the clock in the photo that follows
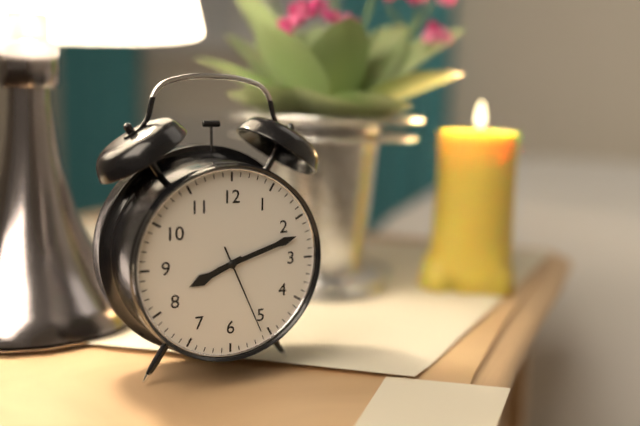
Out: 8:12:26
